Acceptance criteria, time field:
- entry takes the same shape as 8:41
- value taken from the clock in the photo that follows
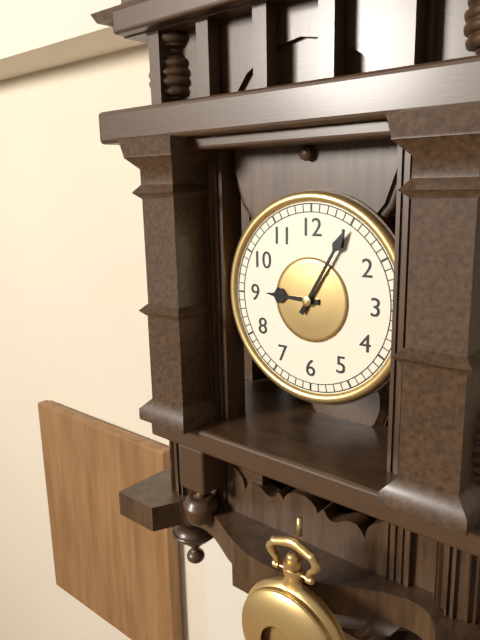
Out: 9:05
